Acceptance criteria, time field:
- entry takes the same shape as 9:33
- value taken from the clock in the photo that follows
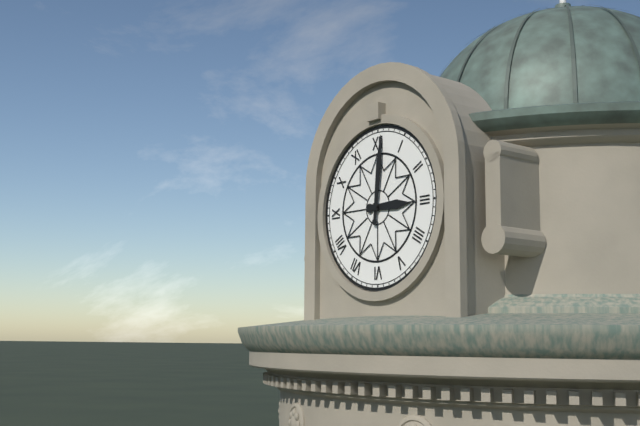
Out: 3:01
